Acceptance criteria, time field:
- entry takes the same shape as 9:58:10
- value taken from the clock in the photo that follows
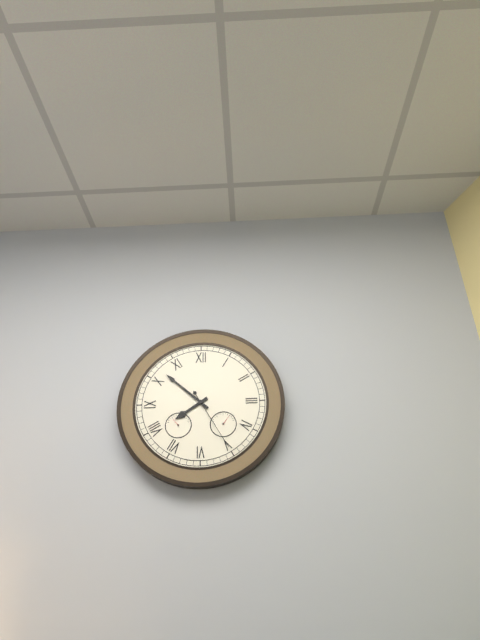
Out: 7:52:25
